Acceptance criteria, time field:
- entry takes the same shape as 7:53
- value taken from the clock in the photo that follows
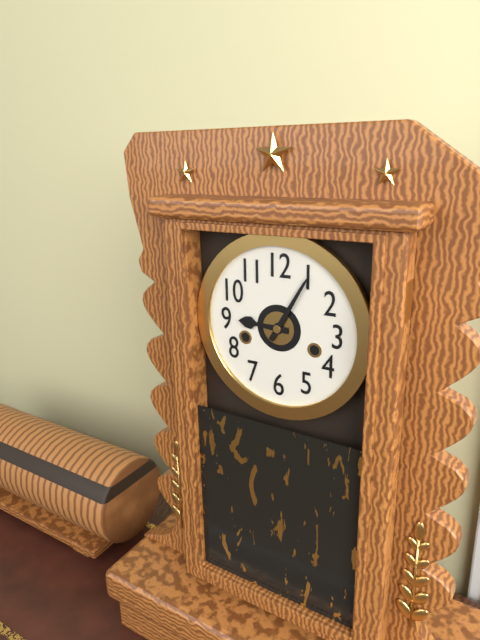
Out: 9:05
